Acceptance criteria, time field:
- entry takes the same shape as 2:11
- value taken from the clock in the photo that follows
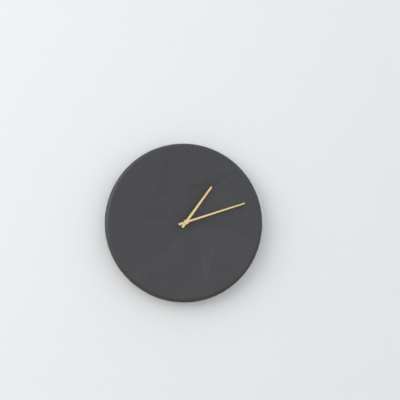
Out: 1:12
